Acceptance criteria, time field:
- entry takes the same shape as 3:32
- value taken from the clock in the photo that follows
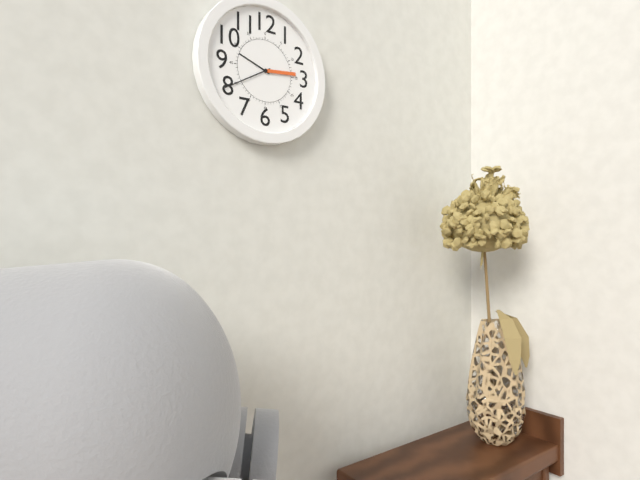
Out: 9:40
